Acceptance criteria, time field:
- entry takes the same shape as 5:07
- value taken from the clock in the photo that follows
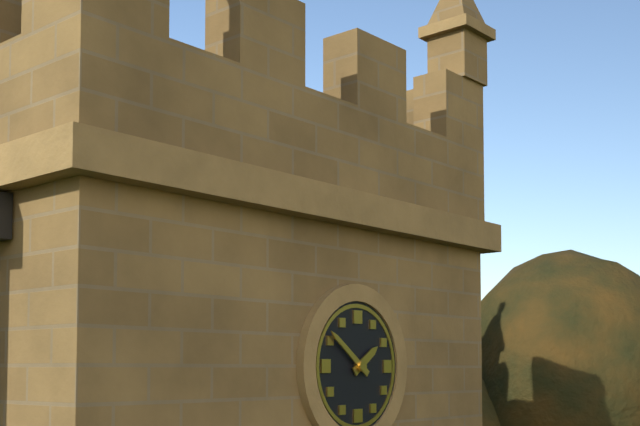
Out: 1:51
